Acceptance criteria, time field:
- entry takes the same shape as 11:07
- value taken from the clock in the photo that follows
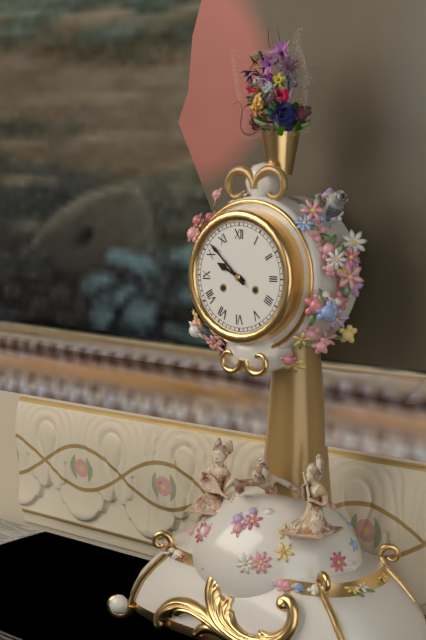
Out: 9:52
